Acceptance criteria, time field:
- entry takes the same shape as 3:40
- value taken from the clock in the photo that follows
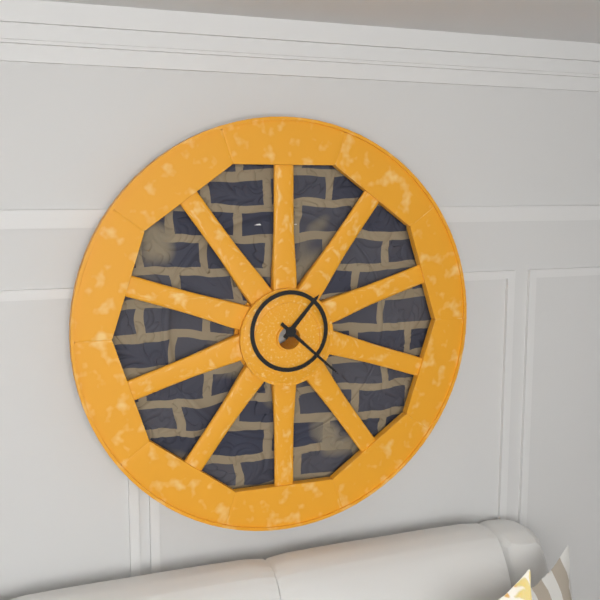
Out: 1:22
